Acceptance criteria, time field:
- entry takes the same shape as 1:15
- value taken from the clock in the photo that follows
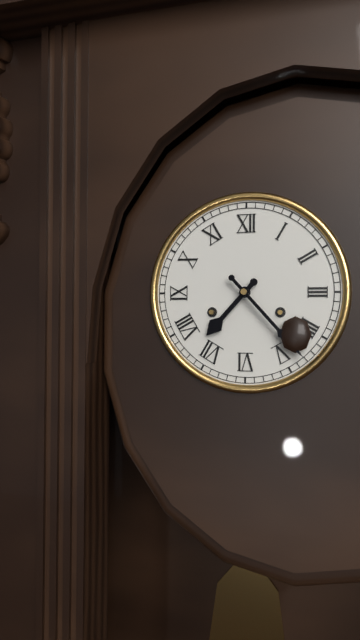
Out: 7:23
